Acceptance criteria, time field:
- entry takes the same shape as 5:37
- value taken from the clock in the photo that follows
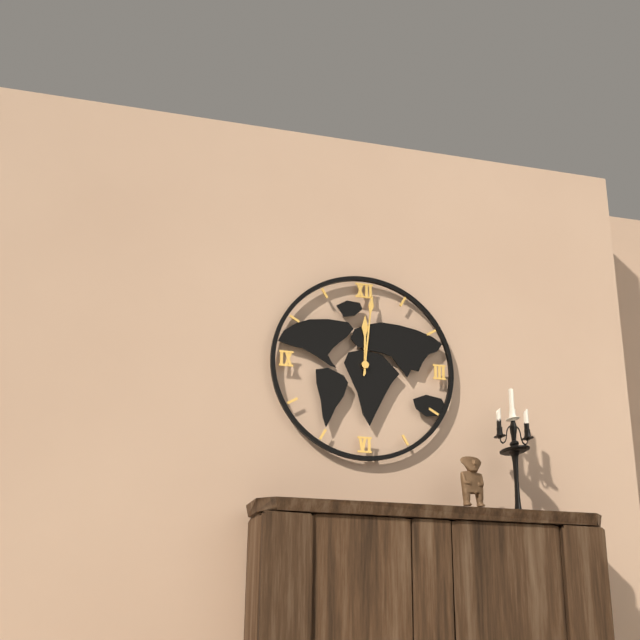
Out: 12:01
